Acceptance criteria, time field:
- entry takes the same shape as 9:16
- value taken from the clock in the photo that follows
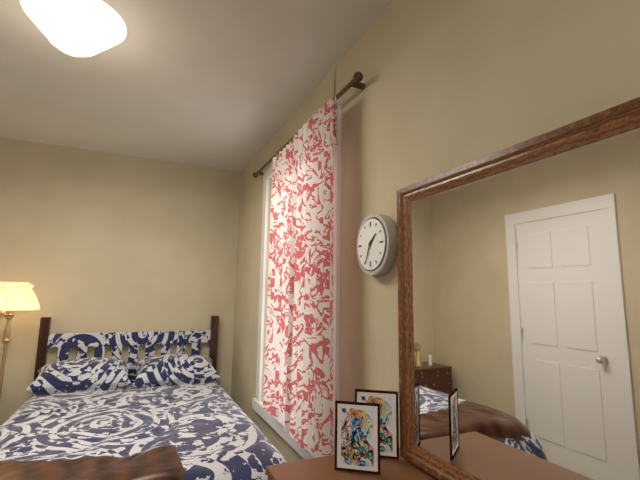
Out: 1:34
